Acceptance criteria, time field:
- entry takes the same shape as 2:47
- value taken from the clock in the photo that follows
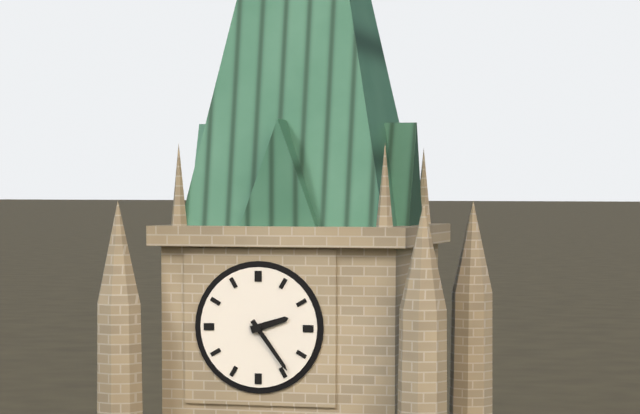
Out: 2:24
